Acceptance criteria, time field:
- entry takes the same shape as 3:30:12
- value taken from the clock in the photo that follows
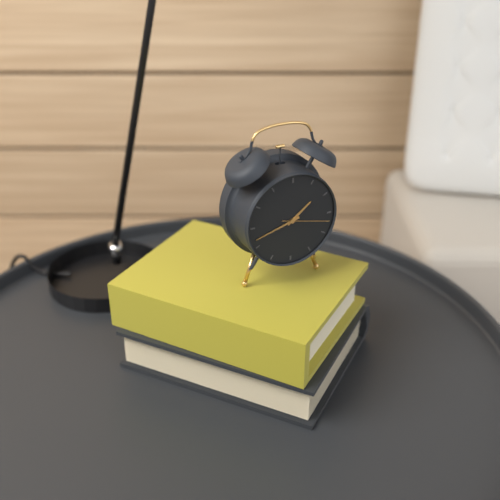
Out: 1:42:17
